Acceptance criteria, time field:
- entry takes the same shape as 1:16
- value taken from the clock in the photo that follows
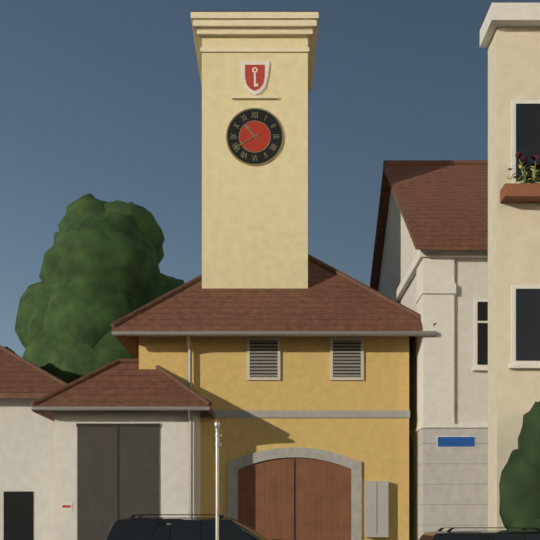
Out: 10:40
